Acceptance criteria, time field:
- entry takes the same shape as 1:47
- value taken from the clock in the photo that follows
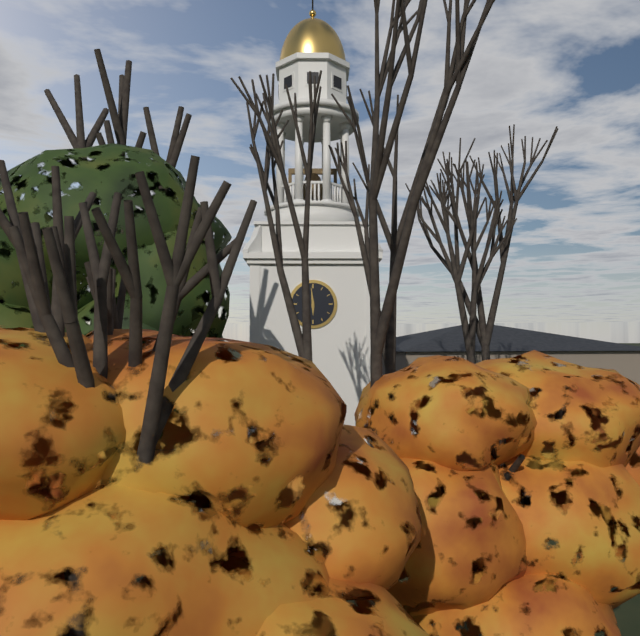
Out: 5:59
